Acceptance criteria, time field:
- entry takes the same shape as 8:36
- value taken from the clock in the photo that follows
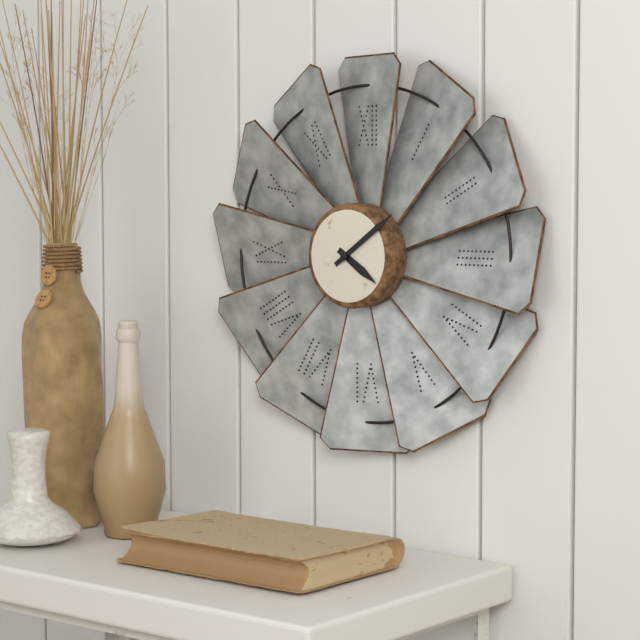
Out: 4:09
